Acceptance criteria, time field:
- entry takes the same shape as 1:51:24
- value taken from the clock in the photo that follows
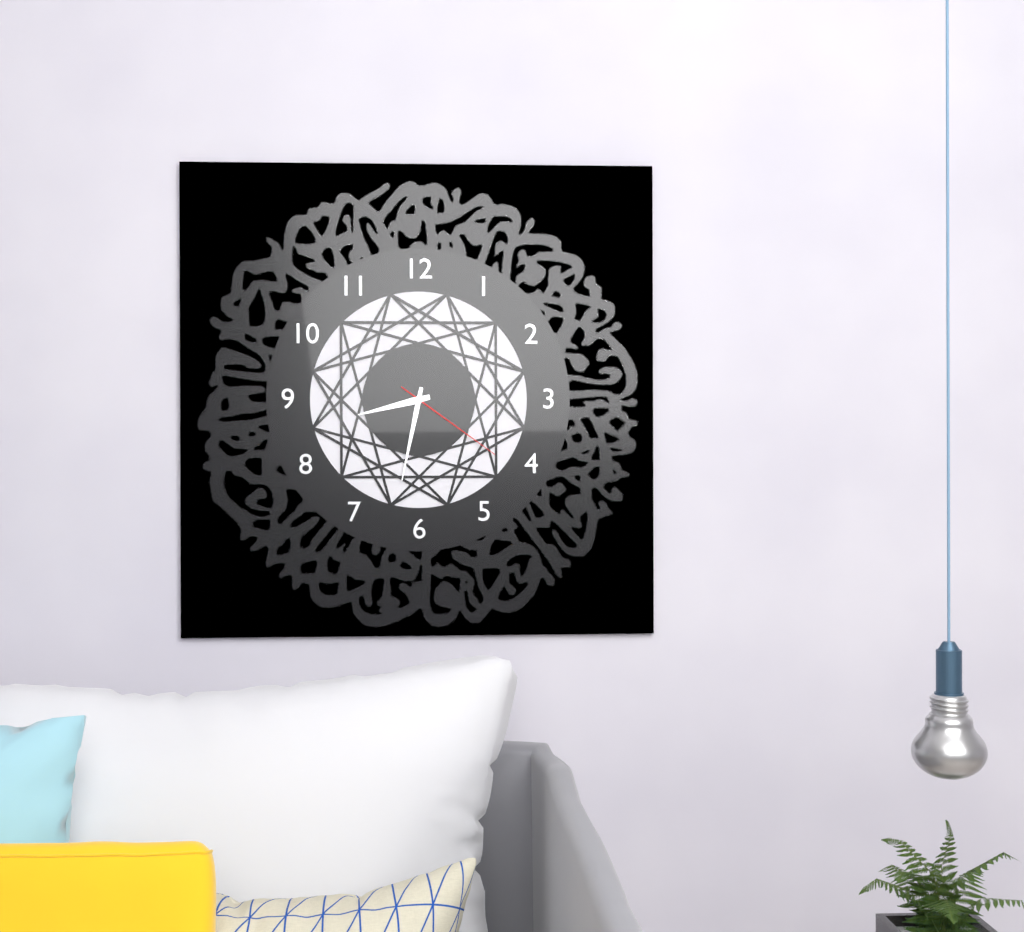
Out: 8:32:21
